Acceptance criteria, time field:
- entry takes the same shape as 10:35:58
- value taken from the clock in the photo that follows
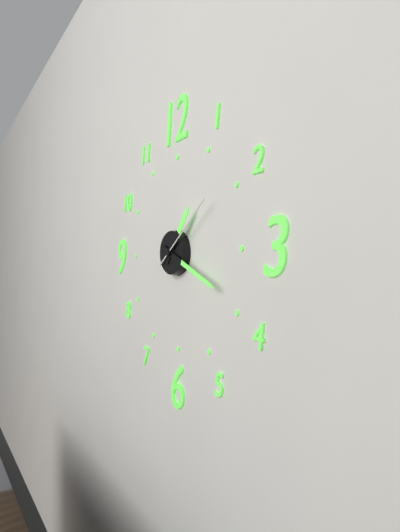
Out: 1:19:09
